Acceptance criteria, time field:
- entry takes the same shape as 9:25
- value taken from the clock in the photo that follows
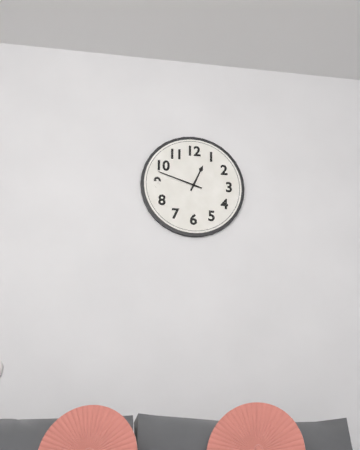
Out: 12:48
